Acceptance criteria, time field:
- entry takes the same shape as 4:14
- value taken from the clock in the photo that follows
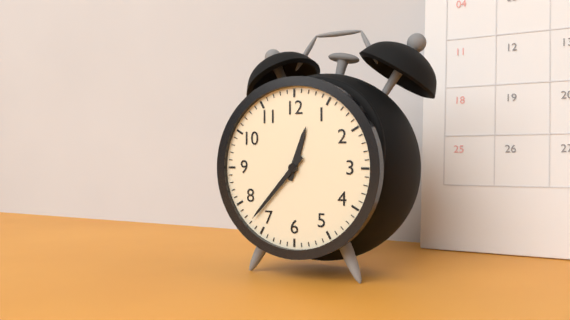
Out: 12:37
